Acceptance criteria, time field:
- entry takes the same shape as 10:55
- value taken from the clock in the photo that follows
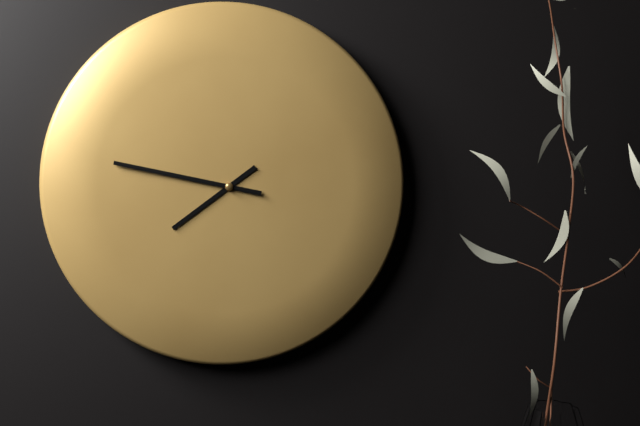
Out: 7:47
